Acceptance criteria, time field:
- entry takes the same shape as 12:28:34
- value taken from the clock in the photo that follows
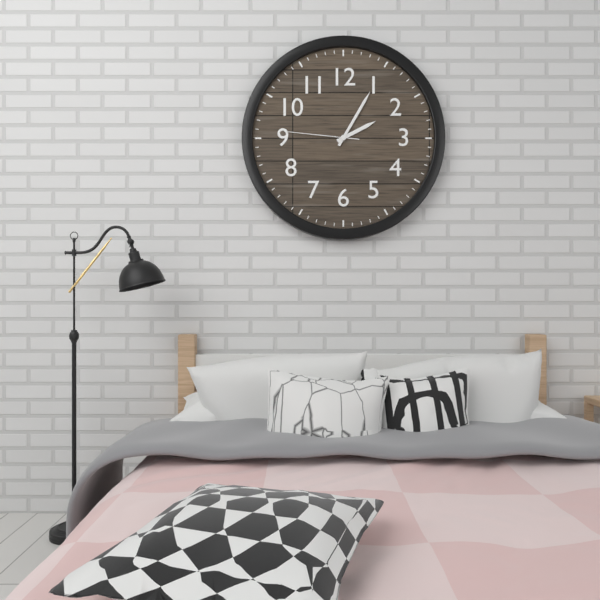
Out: 2:05:46
